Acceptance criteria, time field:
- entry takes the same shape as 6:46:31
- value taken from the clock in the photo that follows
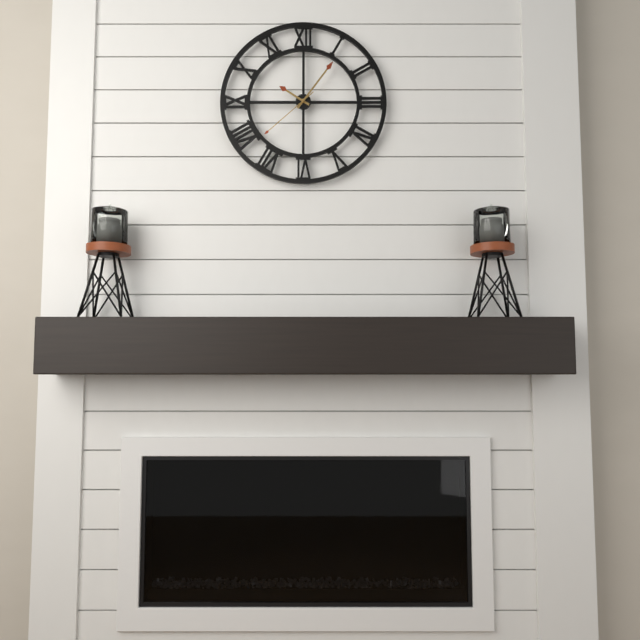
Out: 10:06:38
